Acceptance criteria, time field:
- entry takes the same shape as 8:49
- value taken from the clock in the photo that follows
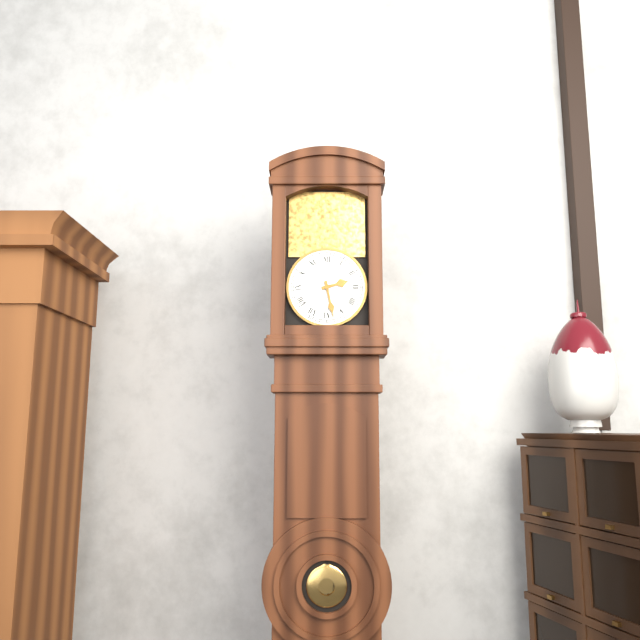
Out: 2:28
